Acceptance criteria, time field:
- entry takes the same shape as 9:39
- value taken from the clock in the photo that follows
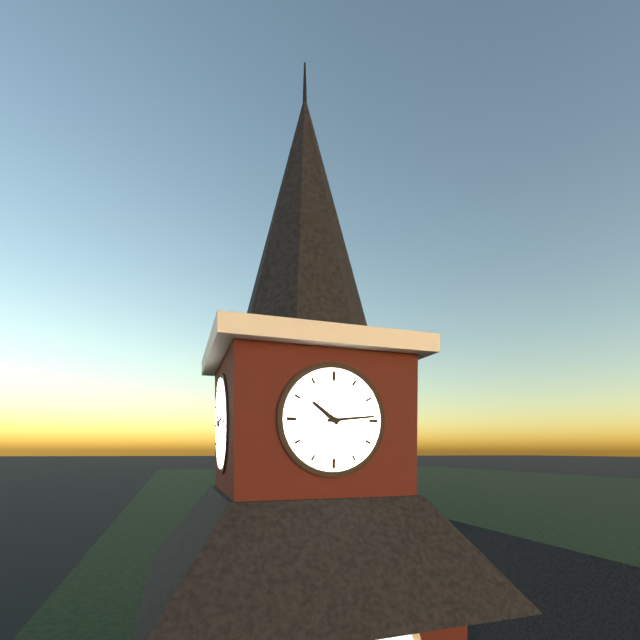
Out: 10:14
